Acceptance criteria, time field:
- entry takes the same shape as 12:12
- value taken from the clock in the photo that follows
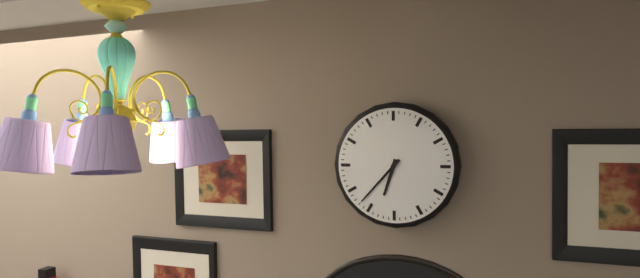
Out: 6:37
